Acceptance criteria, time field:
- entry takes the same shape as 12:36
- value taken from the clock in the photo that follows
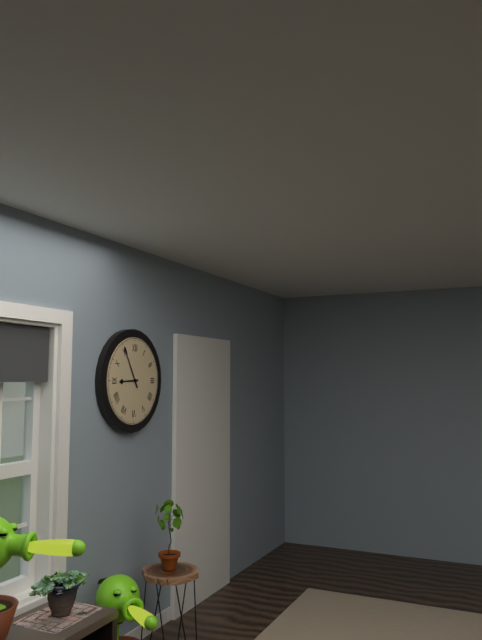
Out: 8:55
